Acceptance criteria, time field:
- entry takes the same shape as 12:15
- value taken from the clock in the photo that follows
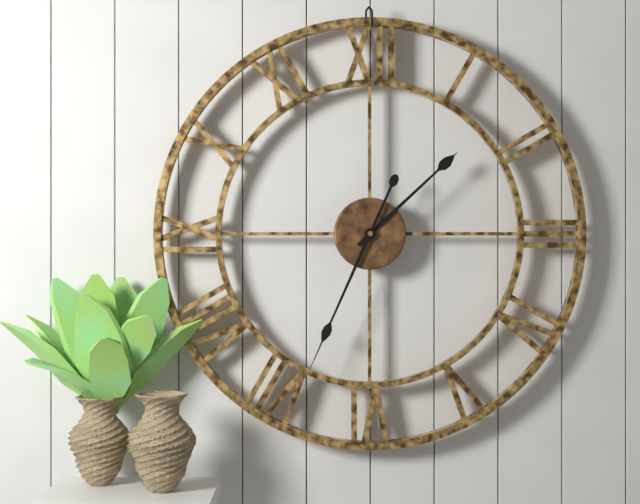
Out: 1:34
